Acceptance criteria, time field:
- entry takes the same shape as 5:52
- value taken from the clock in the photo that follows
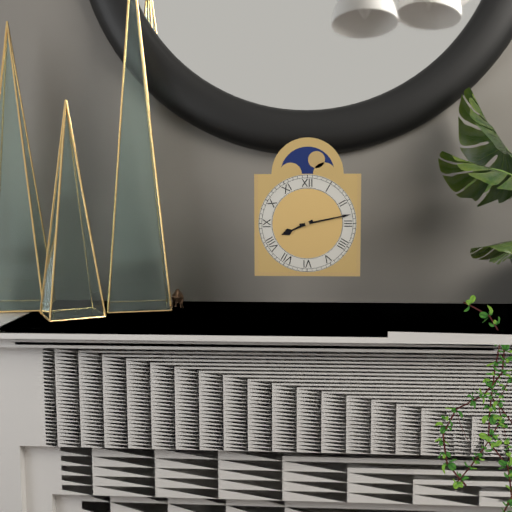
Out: 8:13
